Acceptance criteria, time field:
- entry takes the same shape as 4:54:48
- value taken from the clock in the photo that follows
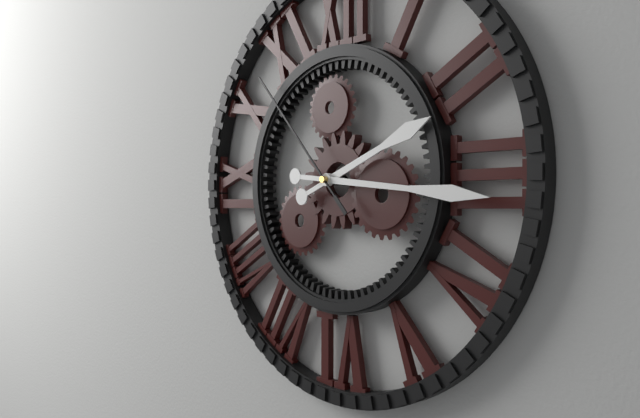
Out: 2:16:53
